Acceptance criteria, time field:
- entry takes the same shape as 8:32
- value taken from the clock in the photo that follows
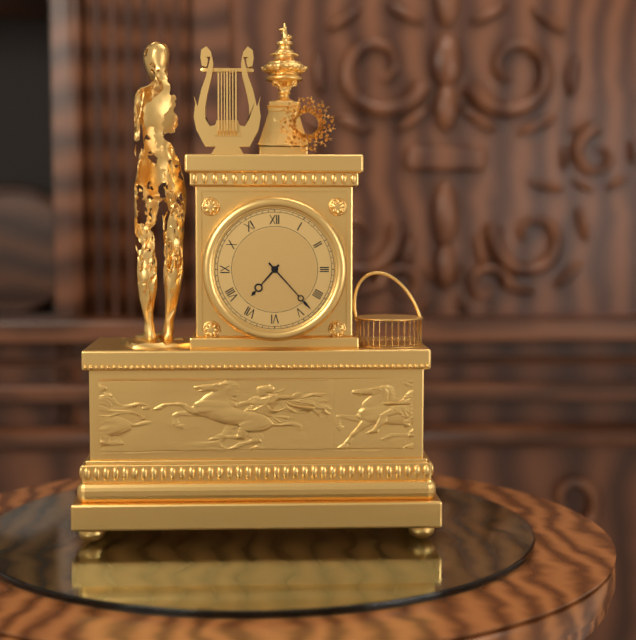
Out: 7:23
